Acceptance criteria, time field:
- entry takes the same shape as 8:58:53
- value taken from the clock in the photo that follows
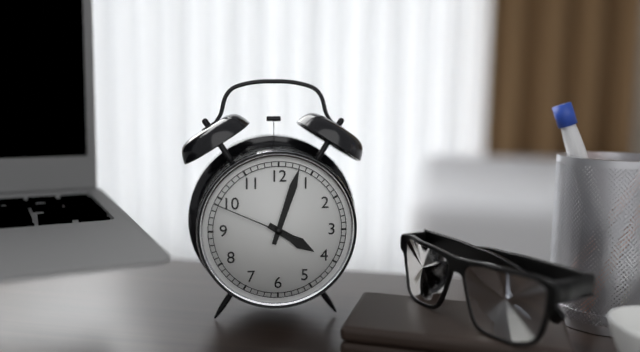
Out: 4:03:49
